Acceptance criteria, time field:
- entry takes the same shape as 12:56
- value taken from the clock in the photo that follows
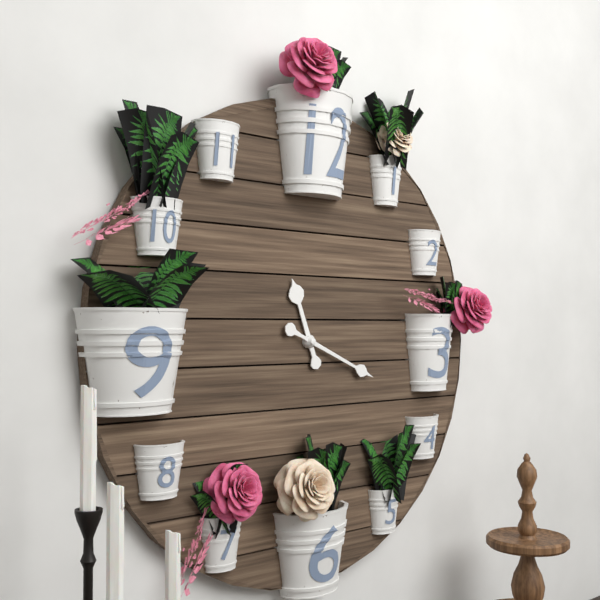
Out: 11:19
